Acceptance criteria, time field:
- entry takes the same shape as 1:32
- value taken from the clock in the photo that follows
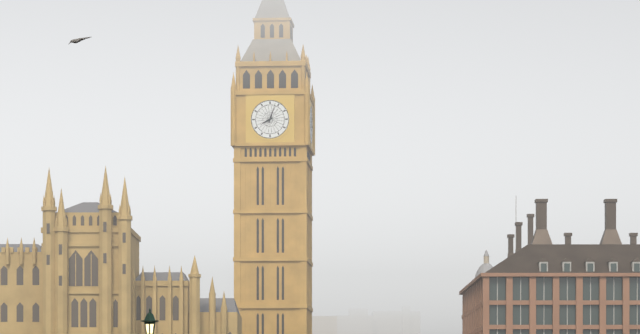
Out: 8:03
